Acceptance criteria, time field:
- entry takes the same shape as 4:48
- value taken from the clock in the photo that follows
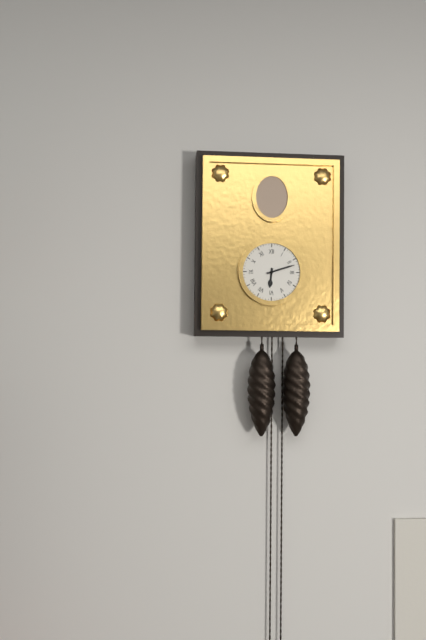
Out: 6:12
